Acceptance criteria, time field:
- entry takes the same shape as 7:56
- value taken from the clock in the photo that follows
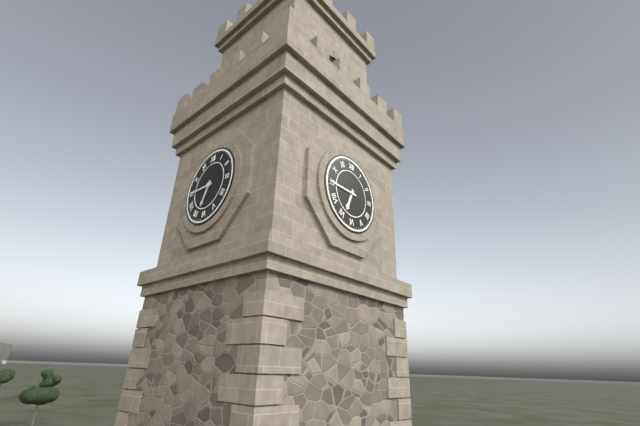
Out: 6:45
